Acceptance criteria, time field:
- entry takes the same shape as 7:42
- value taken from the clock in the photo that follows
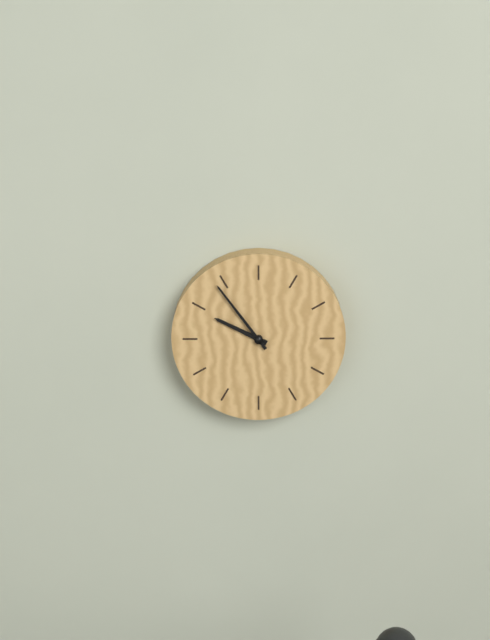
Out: 9:54
